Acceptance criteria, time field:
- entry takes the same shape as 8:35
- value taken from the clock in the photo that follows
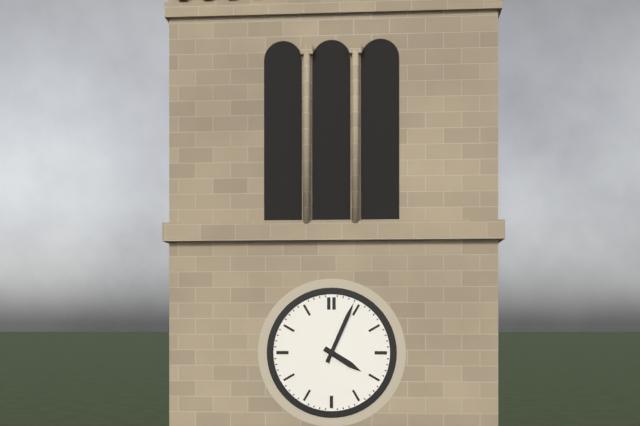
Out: 4:04
